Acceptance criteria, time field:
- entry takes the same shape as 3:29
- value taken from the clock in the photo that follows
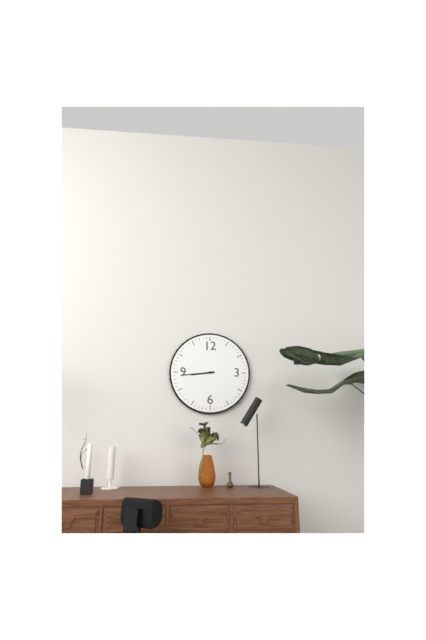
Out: 8:44
